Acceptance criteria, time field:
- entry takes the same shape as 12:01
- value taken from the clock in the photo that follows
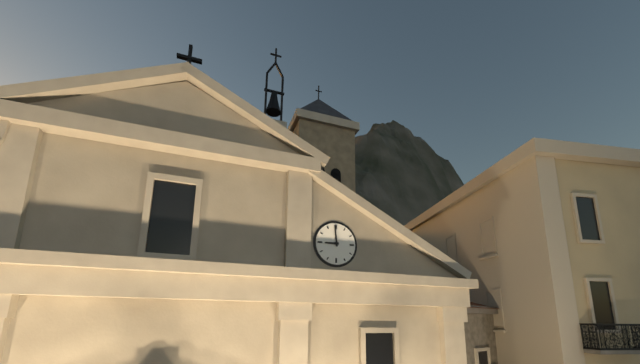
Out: 8:59
